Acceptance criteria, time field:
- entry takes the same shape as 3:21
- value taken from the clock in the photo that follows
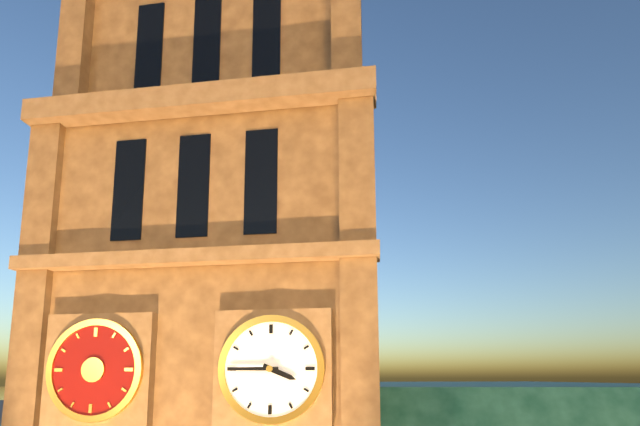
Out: 3:45
